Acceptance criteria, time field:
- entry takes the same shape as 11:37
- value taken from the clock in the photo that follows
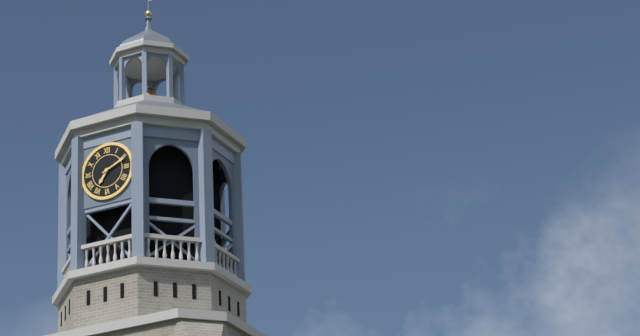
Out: 7:11
